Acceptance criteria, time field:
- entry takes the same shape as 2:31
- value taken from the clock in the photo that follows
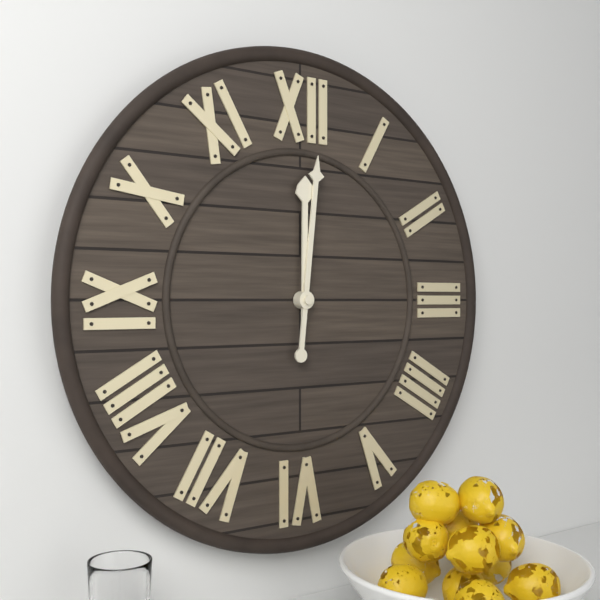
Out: 12:01
